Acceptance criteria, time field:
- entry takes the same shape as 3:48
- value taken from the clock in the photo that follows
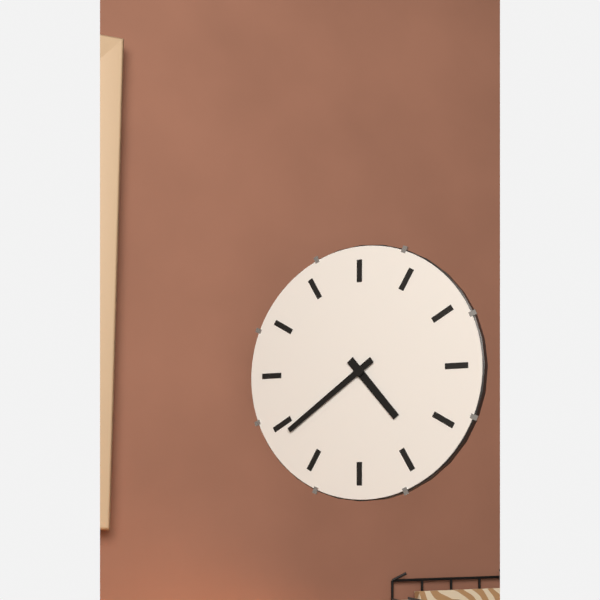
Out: 4:39
